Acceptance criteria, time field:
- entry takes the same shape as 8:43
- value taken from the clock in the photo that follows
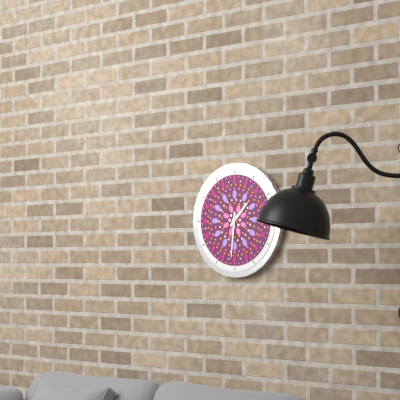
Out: 1:31
